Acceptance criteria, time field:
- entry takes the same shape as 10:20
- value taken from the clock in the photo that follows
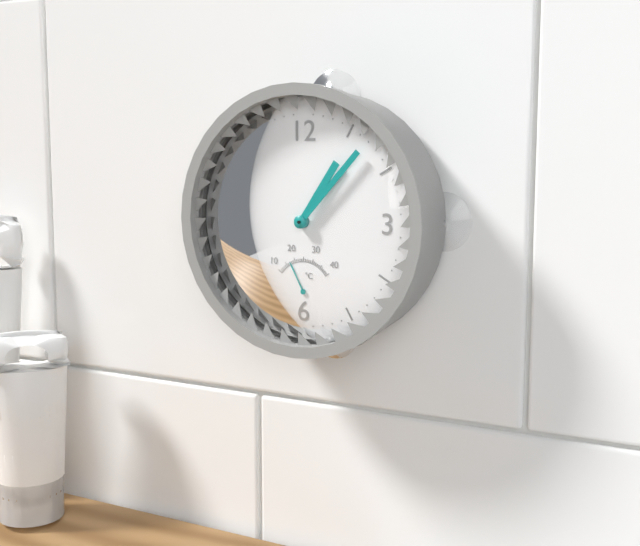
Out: 1:07
